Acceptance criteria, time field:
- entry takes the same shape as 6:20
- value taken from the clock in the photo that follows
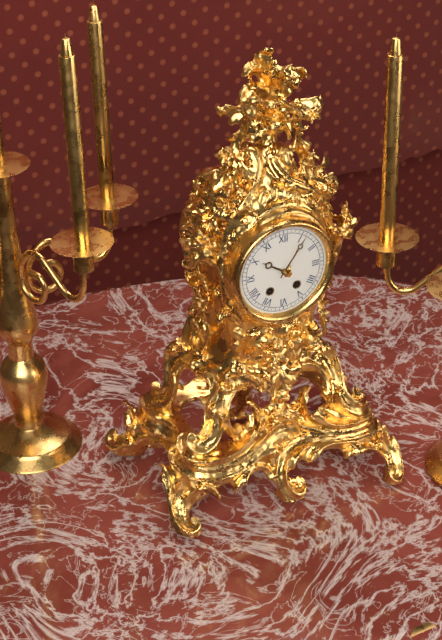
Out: 10:06
